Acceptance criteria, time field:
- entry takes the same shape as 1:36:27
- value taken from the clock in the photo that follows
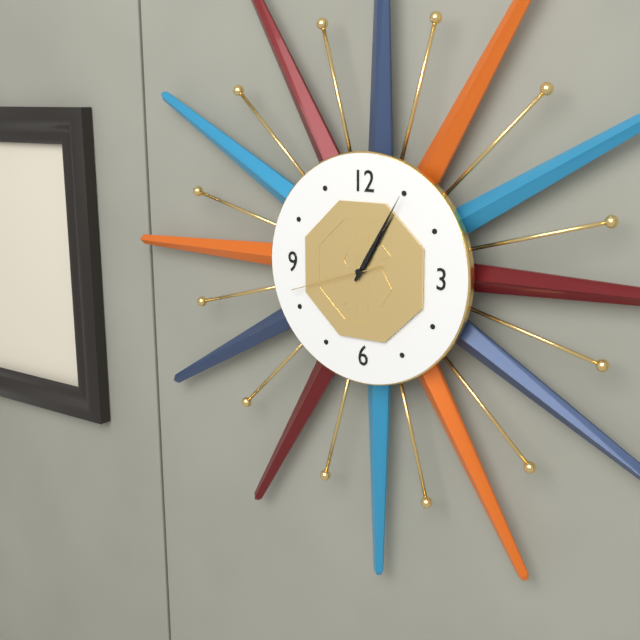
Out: 1:05:42
